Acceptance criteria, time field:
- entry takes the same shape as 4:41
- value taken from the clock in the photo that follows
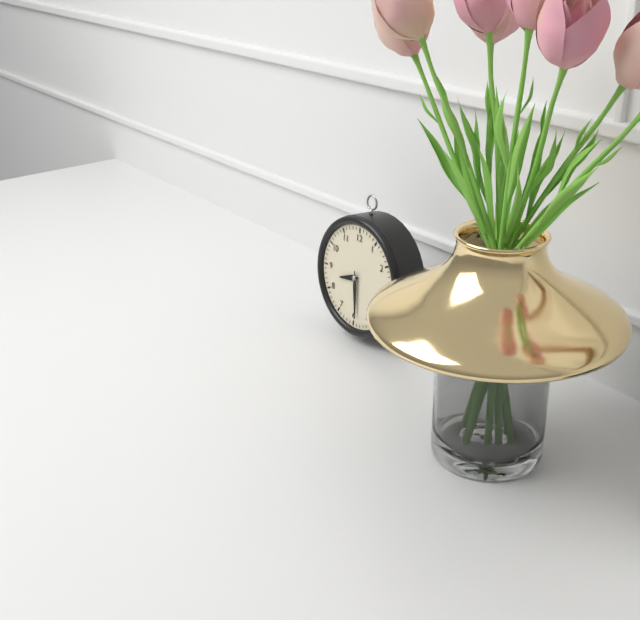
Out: 8:29
